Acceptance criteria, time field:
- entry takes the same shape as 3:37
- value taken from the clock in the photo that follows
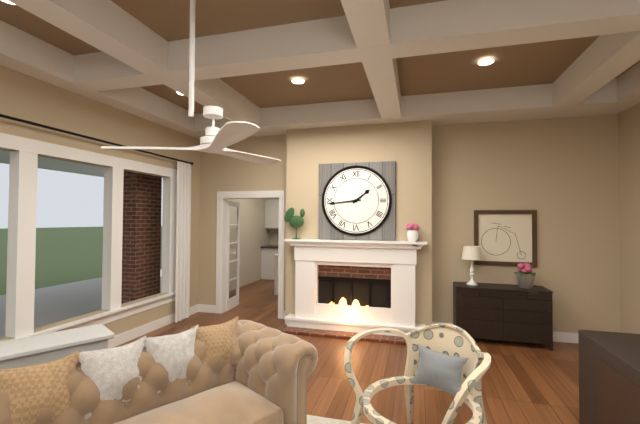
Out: 1:44
